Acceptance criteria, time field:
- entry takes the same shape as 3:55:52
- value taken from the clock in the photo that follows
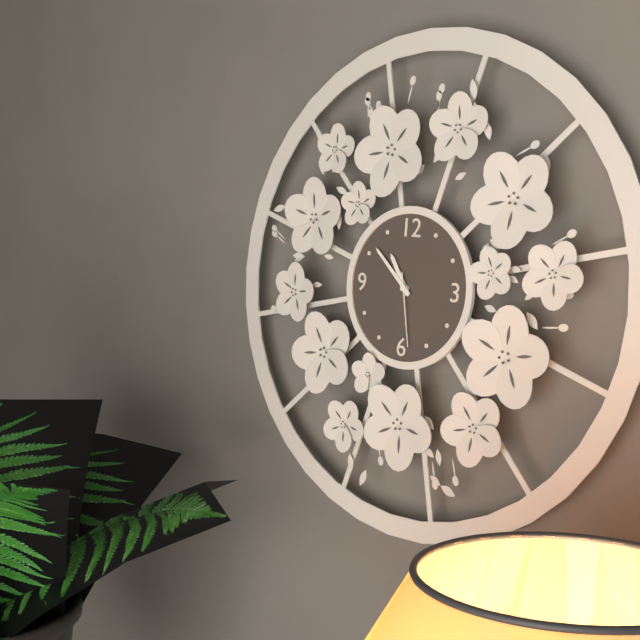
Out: 10:52:28
